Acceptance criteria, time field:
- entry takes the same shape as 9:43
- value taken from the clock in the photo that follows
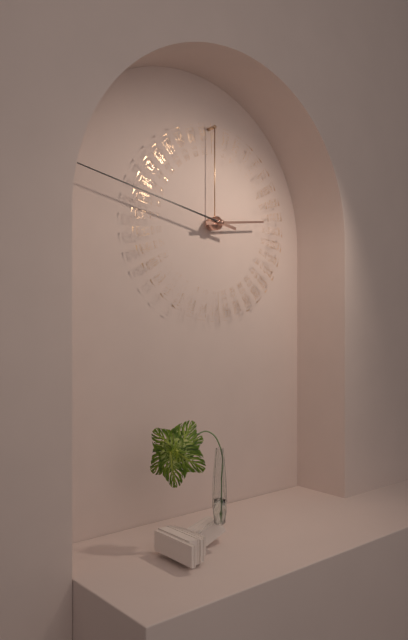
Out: 2:47
